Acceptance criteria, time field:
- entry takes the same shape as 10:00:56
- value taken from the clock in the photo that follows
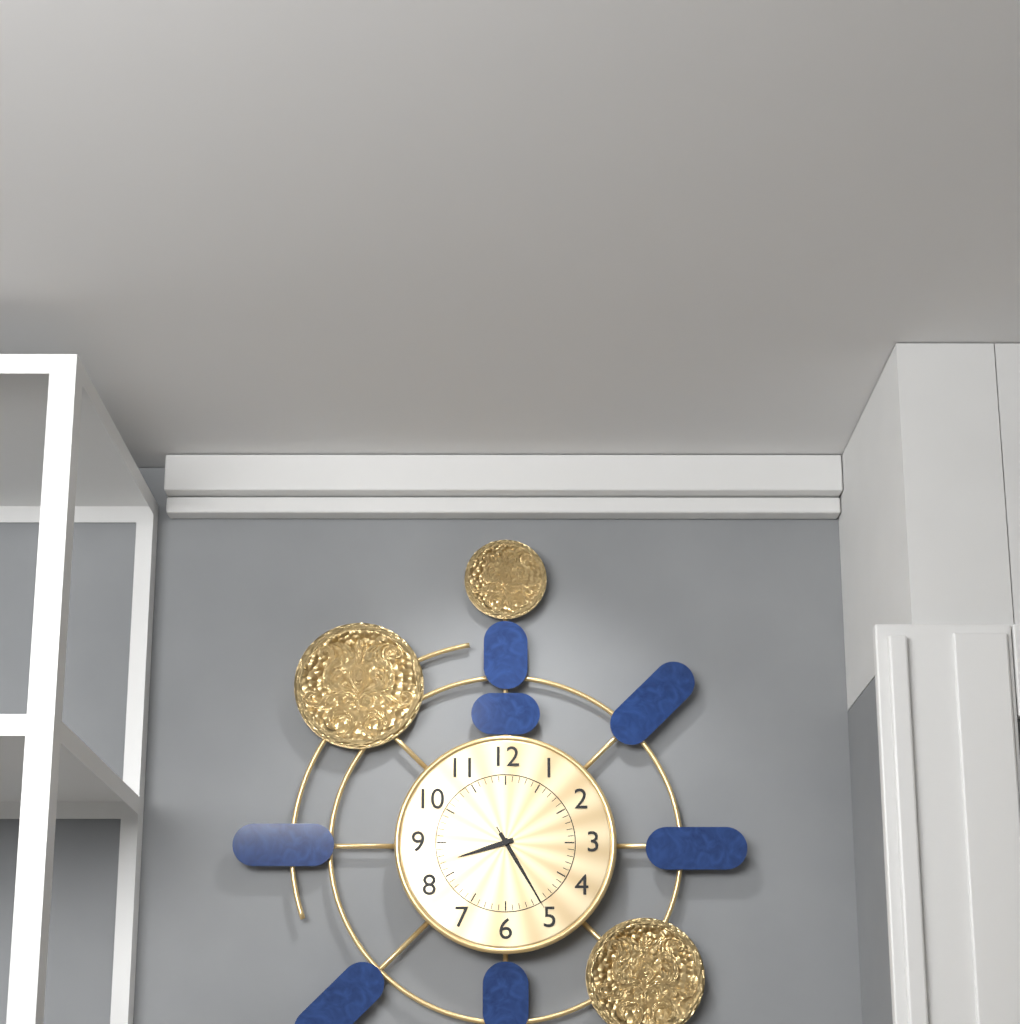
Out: 8:25:25
